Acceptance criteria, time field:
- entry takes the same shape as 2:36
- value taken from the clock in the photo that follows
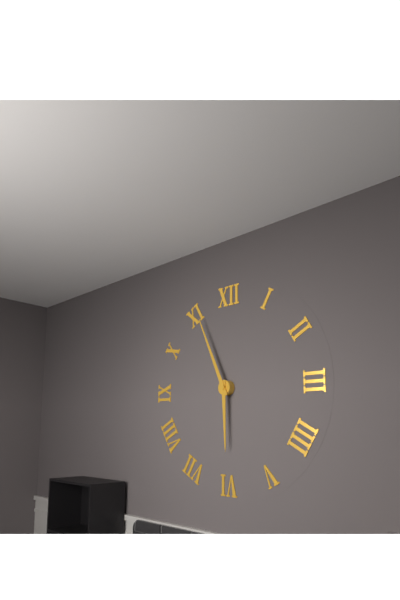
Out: 5:56
